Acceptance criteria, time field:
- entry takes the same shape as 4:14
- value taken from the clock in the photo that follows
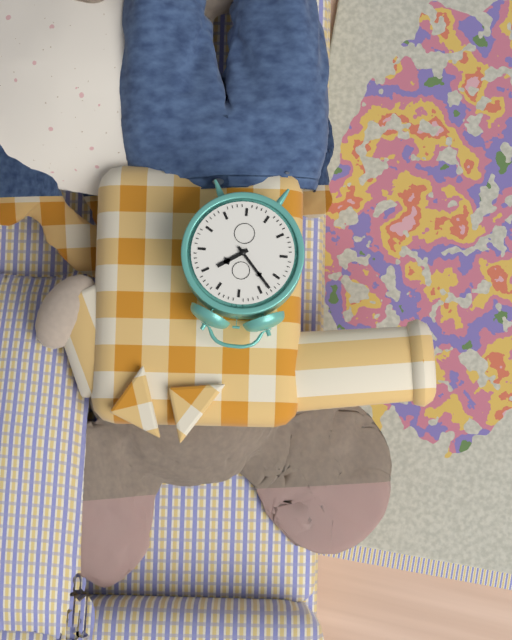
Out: 1:53
